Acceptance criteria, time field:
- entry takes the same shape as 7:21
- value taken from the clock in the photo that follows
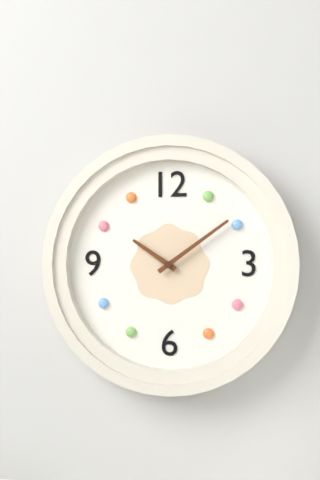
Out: 10:09
